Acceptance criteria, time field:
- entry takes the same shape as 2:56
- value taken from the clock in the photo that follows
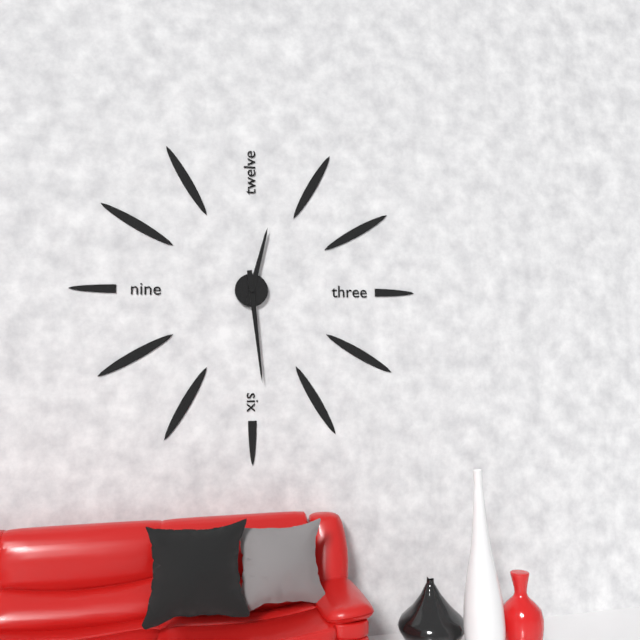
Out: 12:29
